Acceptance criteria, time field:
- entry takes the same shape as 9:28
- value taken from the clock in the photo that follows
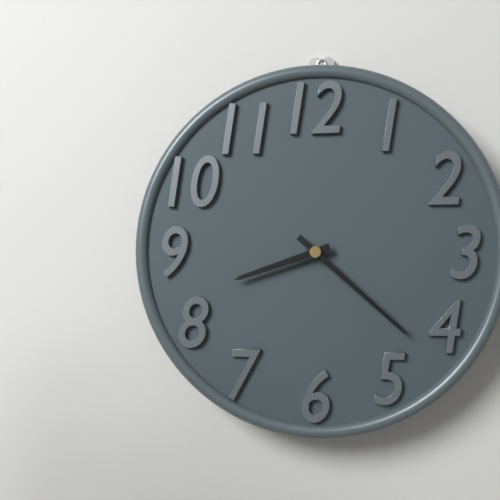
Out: 8:22
